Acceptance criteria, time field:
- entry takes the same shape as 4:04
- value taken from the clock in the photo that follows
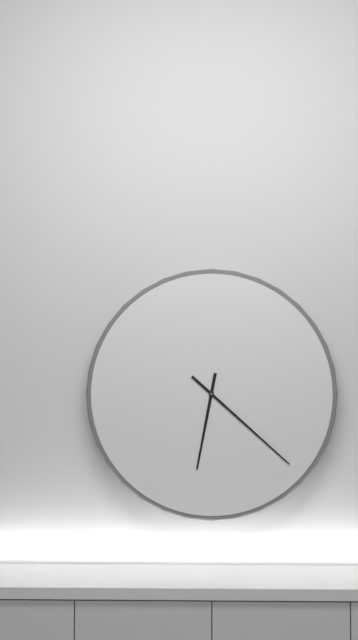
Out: 6:22
